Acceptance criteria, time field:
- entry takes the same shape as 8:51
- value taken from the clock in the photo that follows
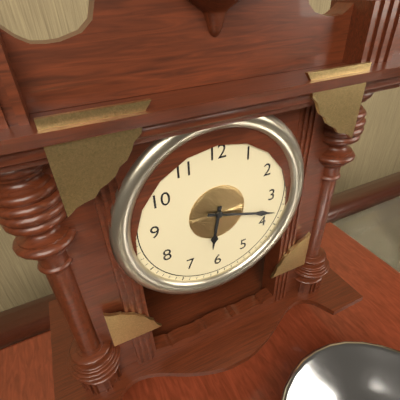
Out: 6:18
